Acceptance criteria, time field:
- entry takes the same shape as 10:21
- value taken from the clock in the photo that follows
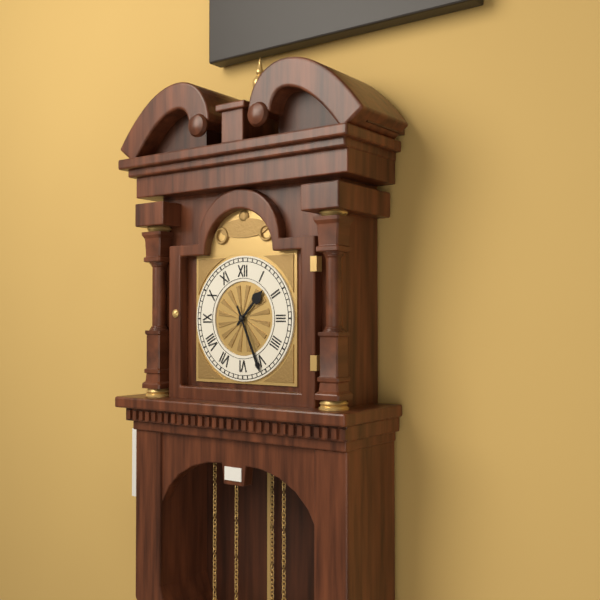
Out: 1:26
